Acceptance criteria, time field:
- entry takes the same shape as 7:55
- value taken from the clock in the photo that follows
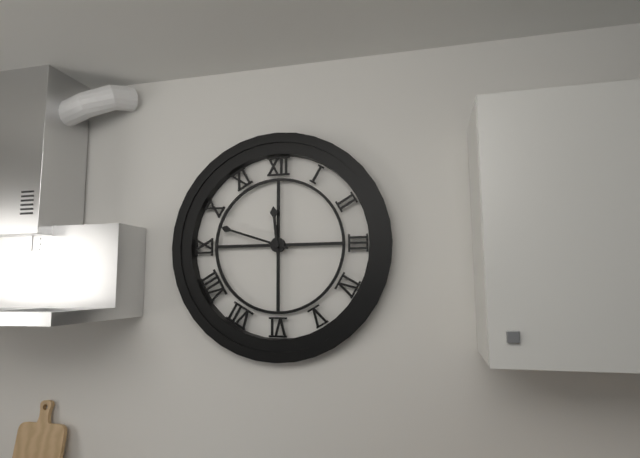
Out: 11:48
